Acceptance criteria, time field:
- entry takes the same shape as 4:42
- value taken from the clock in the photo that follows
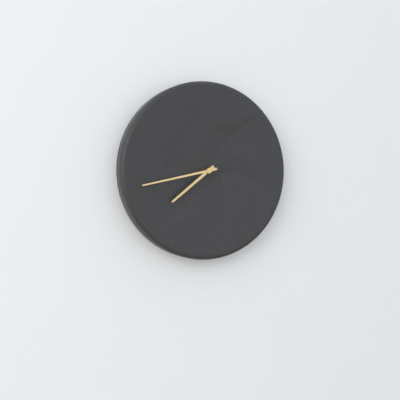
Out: 7:43
